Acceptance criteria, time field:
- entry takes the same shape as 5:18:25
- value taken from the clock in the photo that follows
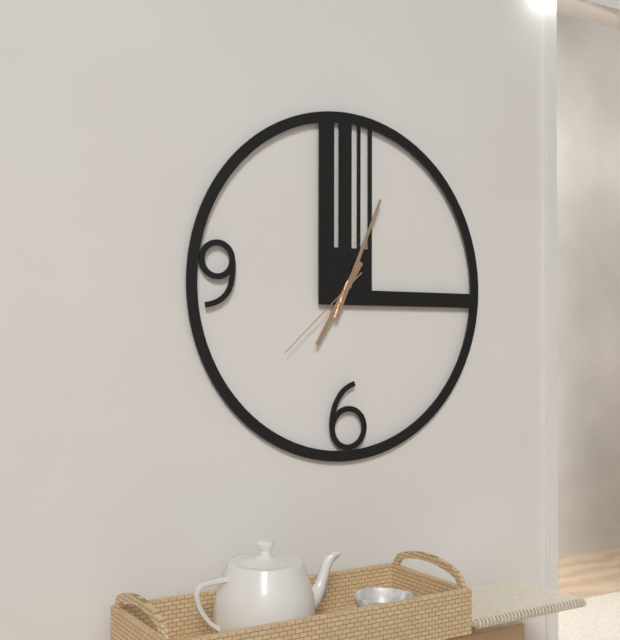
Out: 7:04:38
